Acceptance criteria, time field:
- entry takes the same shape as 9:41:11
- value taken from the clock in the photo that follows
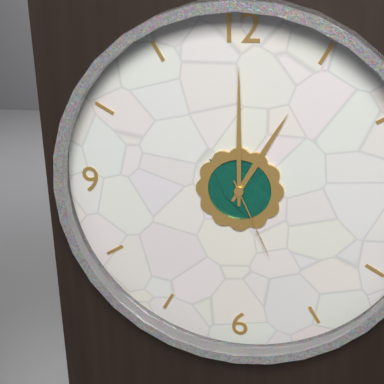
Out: 1:00:26
